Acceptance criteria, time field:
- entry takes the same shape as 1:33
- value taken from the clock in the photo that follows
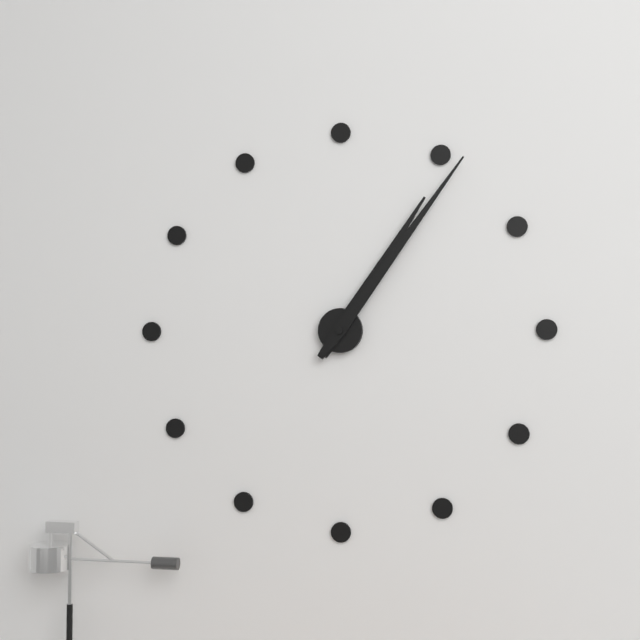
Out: 1:06
